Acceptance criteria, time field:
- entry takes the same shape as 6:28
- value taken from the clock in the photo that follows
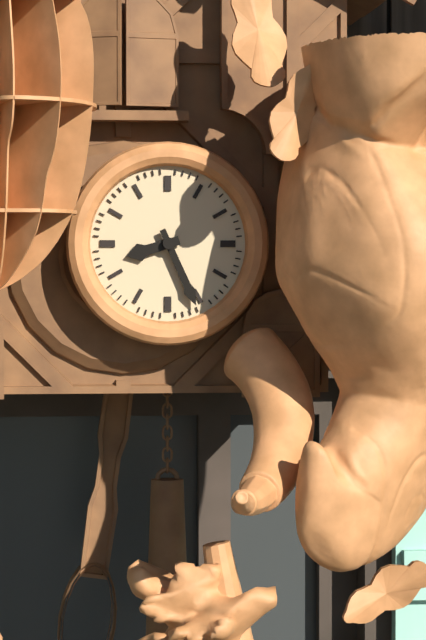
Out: 8:26
